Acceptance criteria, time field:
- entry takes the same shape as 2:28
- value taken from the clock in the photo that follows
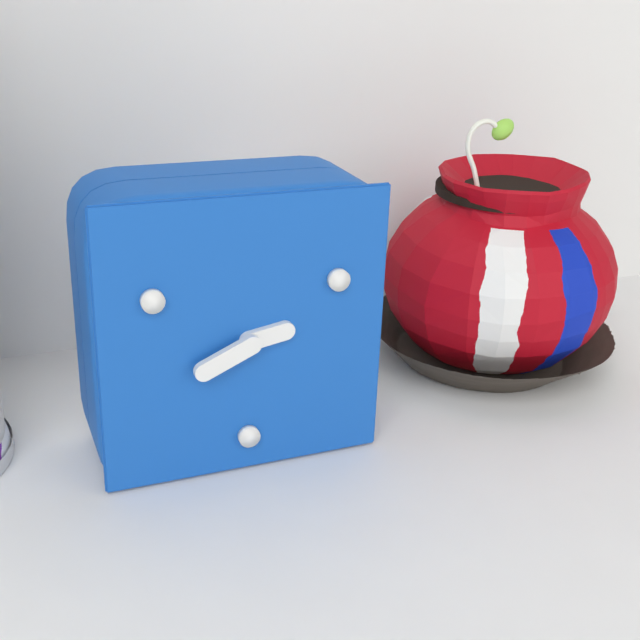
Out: 2:41
